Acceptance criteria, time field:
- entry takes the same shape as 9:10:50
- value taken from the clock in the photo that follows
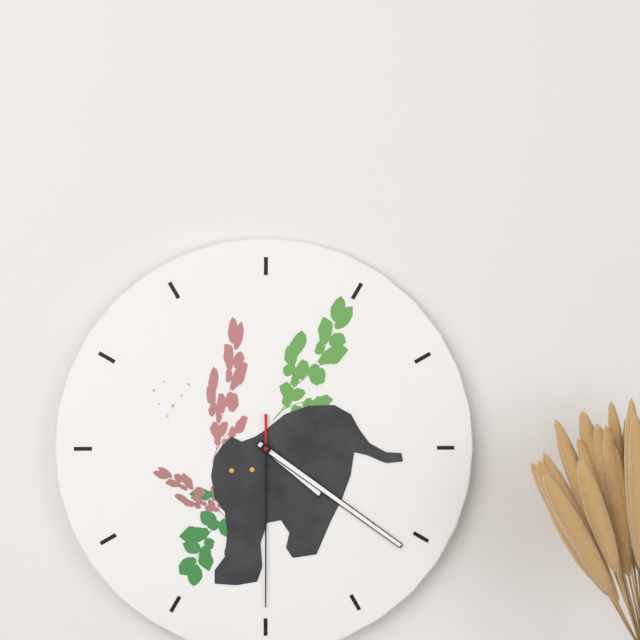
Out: 4:21:30
